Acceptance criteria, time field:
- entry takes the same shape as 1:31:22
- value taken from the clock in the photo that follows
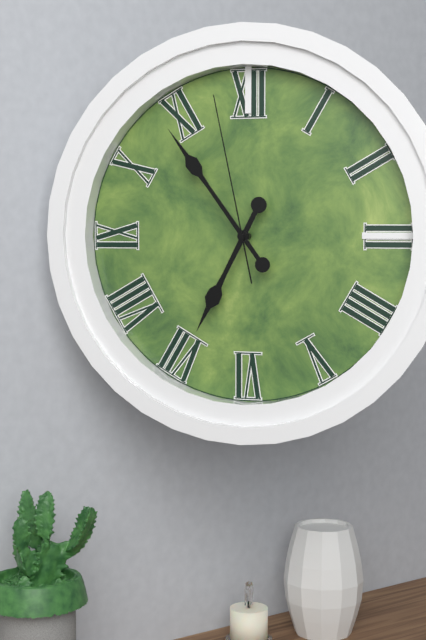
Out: 6:54:58
